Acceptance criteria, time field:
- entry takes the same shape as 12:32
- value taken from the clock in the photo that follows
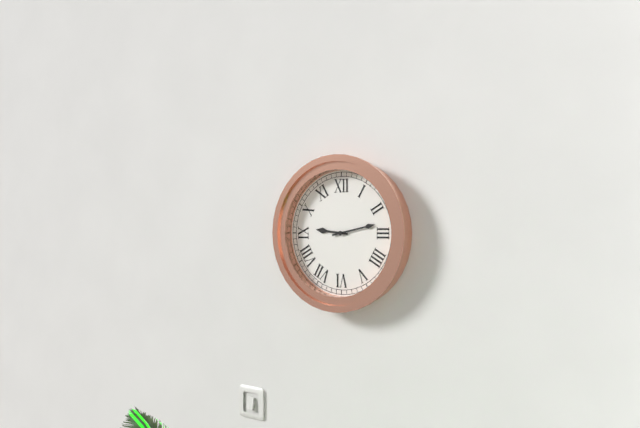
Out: 9:13
